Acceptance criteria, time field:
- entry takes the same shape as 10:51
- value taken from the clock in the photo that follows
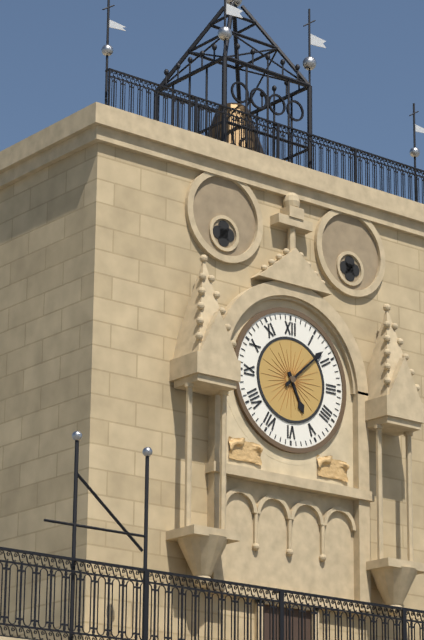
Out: 5:08
